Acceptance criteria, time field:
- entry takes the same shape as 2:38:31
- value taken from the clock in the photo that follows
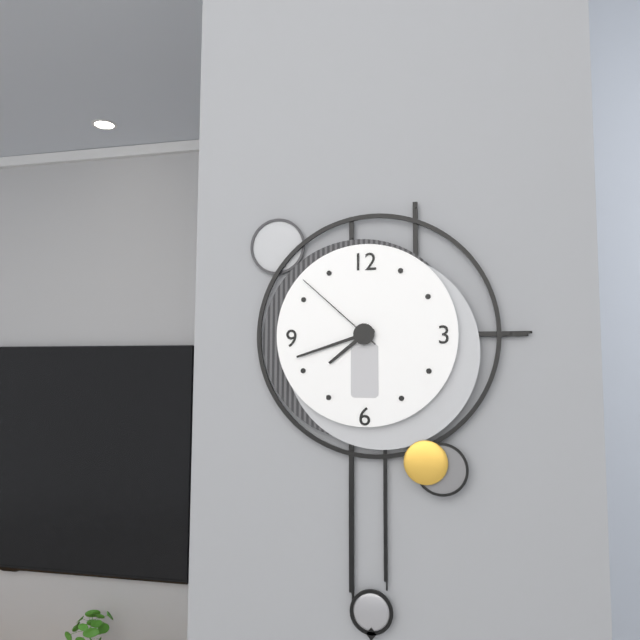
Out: 7:42:52
